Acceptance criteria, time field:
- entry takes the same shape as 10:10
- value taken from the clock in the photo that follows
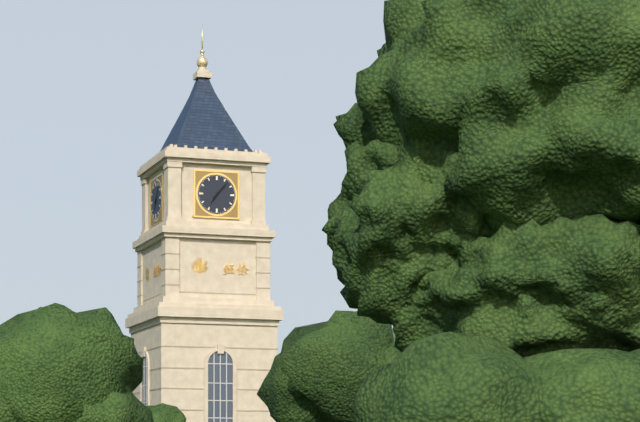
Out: 7:07
